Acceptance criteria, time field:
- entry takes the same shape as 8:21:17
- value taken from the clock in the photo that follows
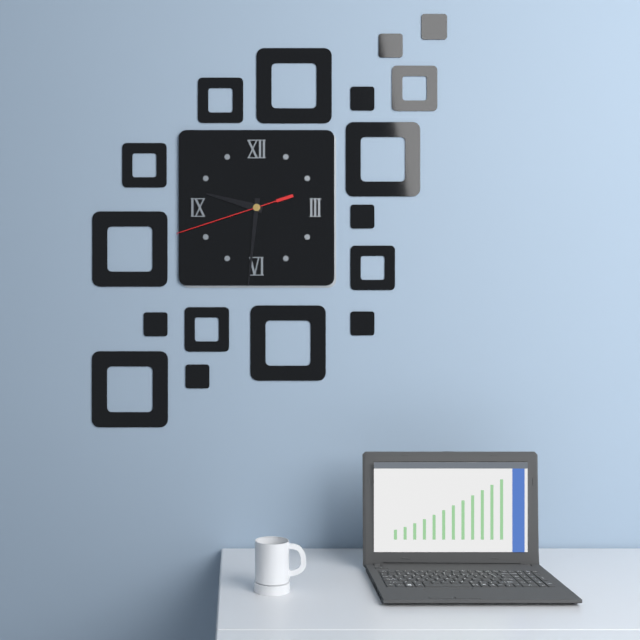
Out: 9:31:42
